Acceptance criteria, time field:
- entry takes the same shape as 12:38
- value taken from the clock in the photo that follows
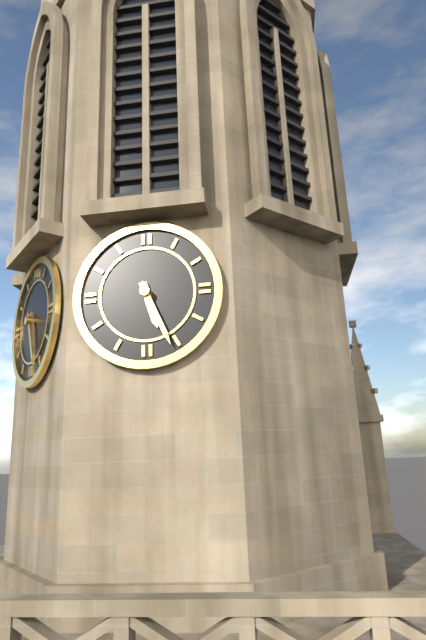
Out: 5:26
